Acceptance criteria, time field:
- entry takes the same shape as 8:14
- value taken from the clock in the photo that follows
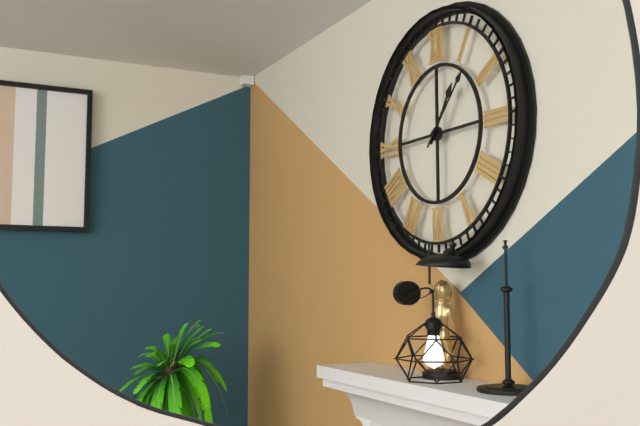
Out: 1:07
